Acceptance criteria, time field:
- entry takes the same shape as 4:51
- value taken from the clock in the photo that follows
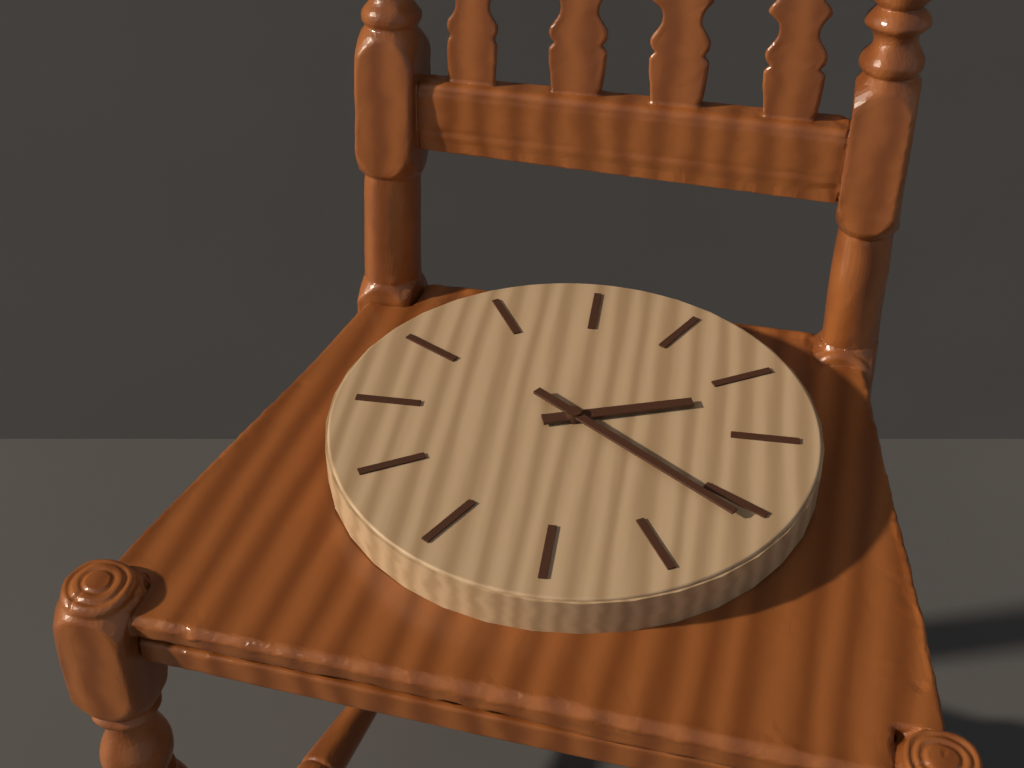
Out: 2:21
